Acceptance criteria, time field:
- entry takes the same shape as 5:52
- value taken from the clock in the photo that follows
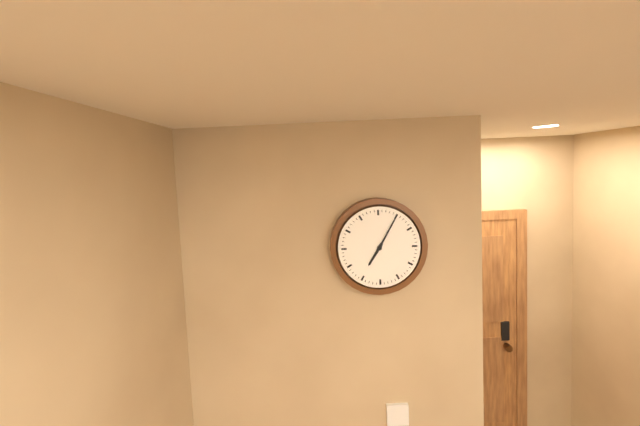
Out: 7:05
